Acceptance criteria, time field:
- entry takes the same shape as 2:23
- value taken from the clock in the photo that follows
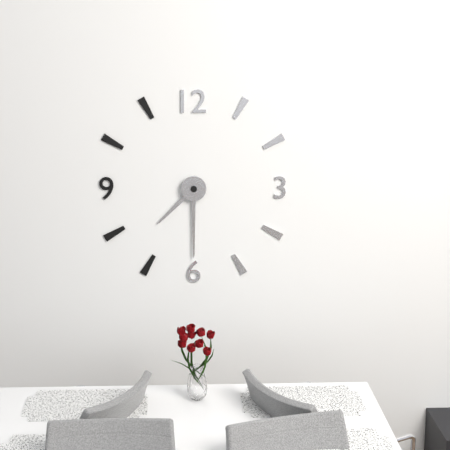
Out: 7:30
